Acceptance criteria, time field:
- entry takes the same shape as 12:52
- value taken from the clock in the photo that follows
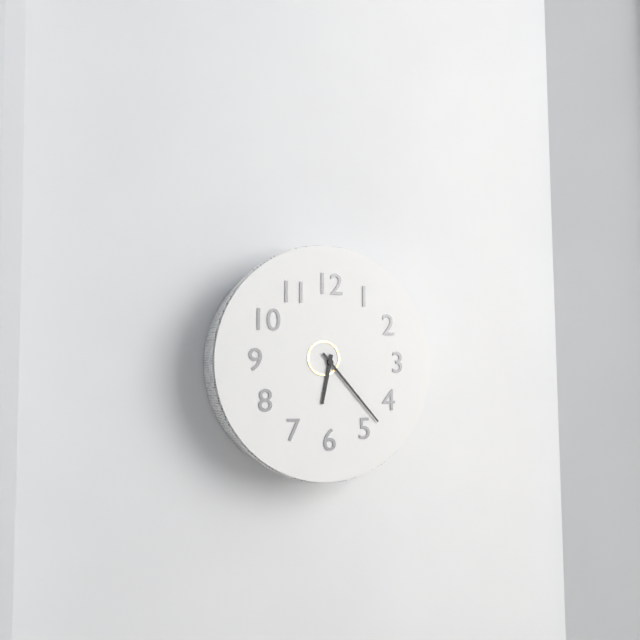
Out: 6:23
